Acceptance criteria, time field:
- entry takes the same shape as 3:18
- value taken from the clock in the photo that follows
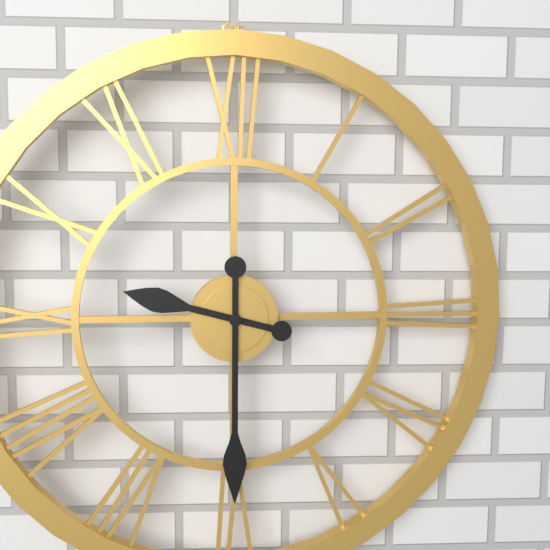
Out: 9:30
